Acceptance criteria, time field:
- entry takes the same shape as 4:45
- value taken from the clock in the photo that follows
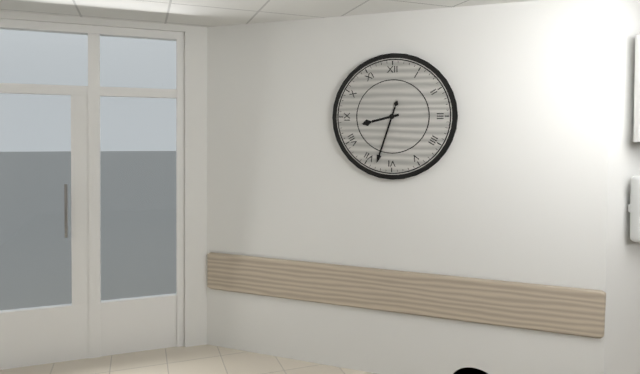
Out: 8:33
